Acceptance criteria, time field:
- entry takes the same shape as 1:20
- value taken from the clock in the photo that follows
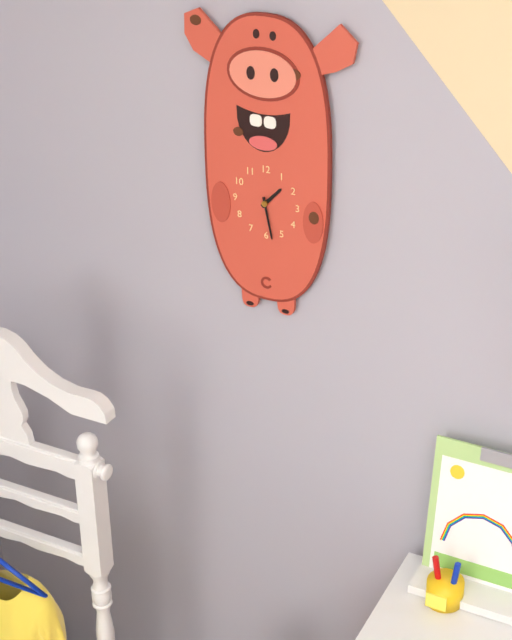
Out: 1:28
